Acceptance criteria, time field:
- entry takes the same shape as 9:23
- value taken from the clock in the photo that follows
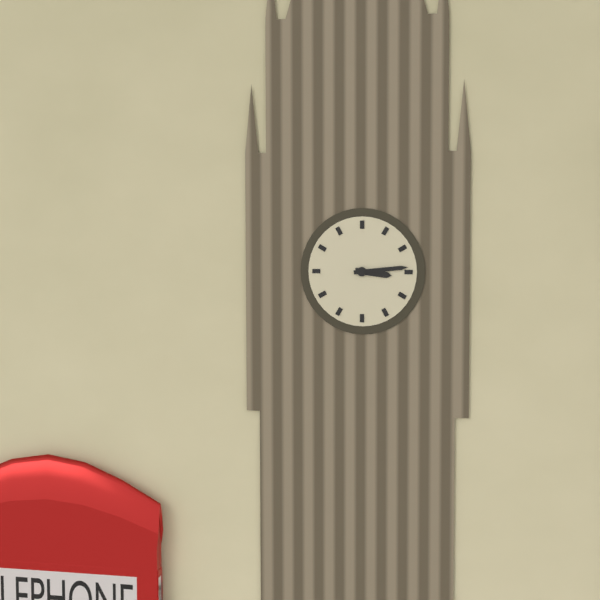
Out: 3:14
